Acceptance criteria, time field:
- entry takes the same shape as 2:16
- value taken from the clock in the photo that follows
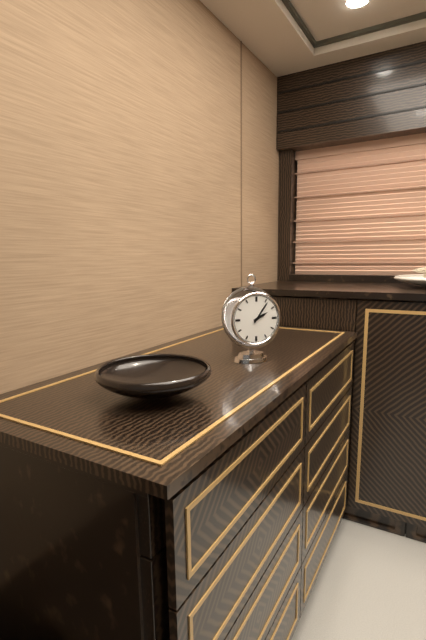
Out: 2:06
